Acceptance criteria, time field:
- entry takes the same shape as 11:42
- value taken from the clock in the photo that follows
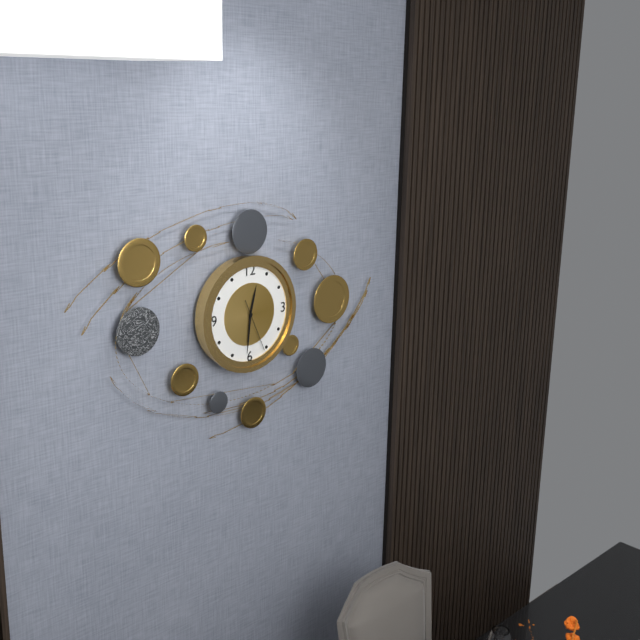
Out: 12:31
